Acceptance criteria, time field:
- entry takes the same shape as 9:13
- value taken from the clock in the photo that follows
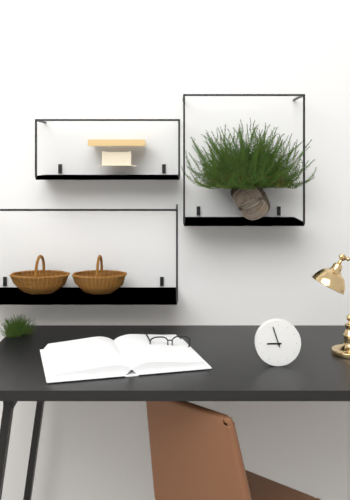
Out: 8:57
